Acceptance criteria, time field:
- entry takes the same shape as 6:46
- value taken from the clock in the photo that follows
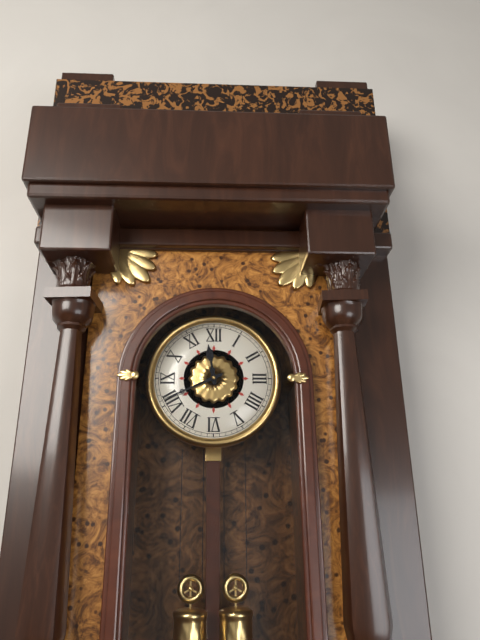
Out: 11:41
